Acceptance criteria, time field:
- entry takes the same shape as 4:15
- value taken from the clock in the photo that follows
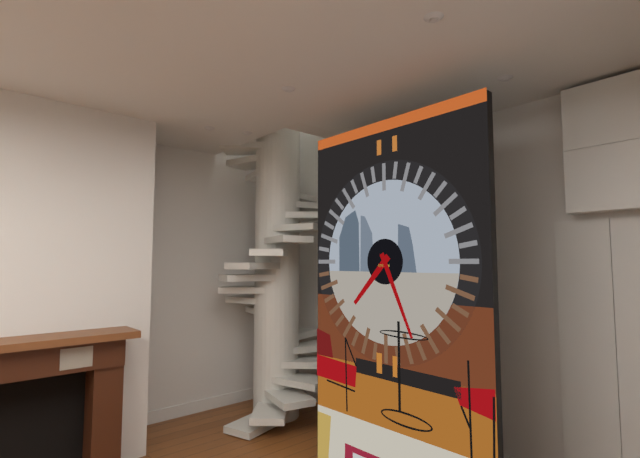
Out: 7:26
